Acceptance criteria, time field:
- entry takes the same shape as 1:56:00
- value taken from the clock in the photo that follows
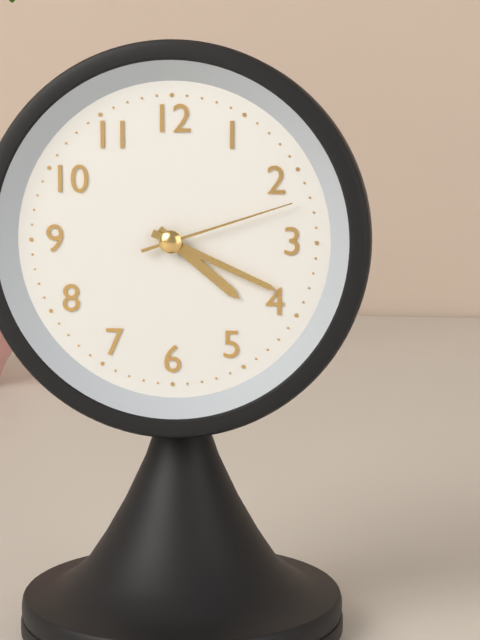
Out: 4:19:12
